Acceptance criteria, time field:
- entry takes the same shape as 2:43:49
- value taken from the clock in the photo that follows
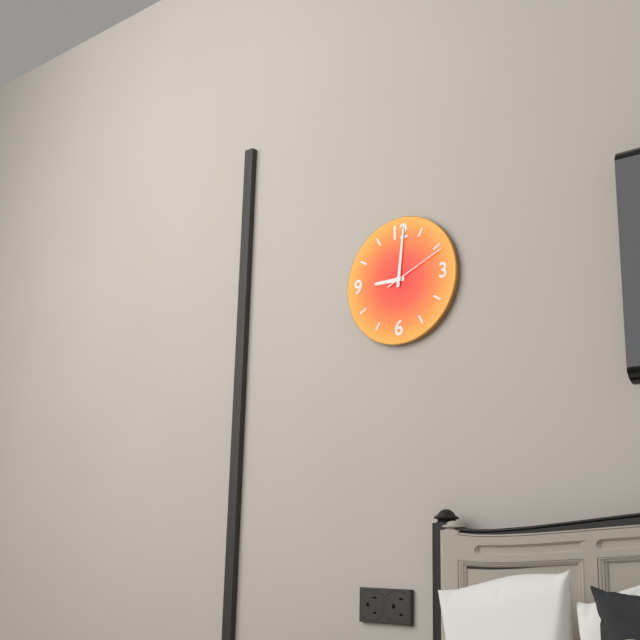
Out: 9:01:11
